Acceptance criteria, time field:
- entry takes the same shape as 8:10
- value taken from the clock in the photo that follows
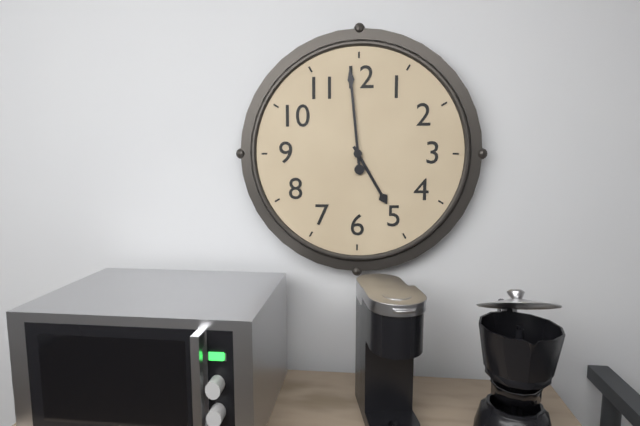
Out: 4:59
